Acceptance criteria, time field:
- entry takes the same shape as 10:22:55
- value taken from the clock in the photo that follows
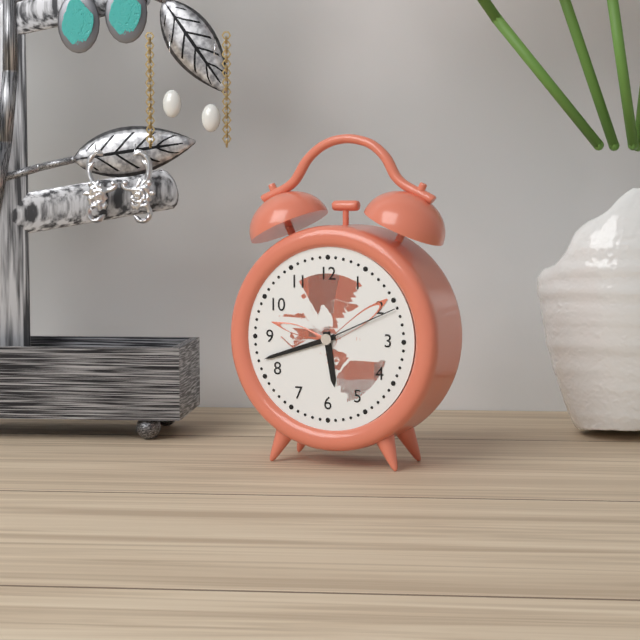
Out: 5:42:11
